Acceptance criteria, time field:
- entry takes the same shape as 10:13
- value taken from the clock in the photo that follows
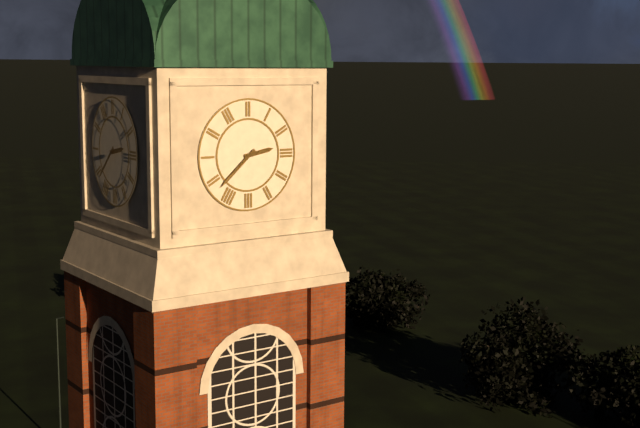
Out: 2:38
